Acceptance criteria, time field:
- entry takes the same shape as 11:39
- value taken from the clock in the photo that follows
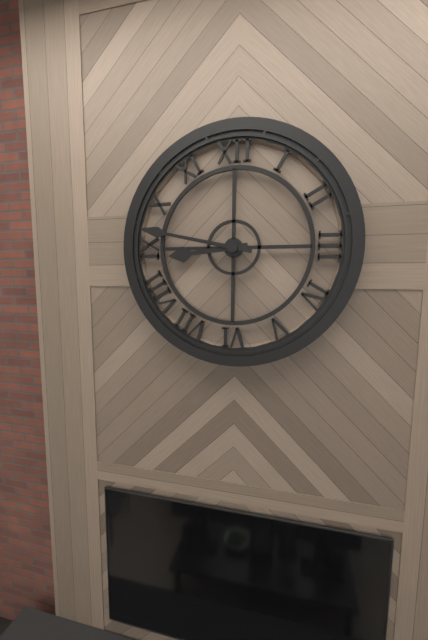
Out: 8:47
